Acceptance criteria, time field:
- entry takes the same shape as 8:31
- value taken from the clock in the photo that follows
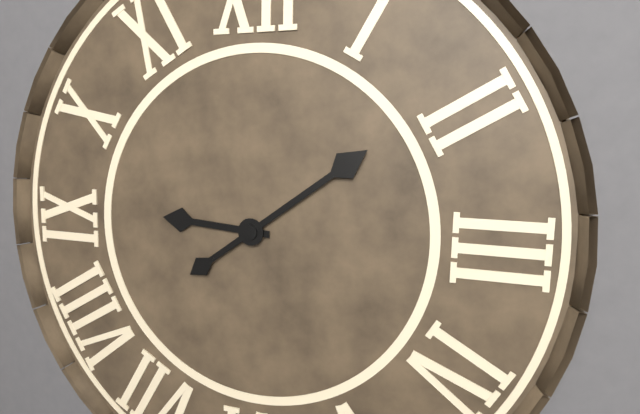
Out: 9:09
